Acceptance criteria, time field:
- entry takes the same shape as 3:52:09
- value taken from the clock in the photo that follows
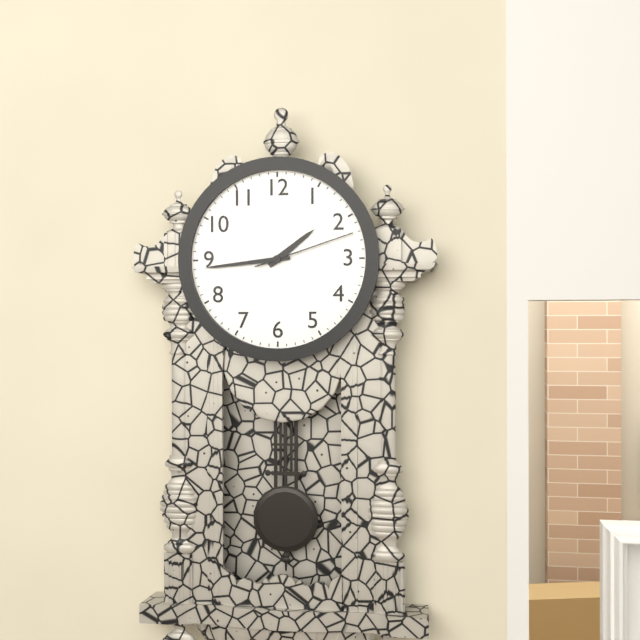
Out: 1:44:12
